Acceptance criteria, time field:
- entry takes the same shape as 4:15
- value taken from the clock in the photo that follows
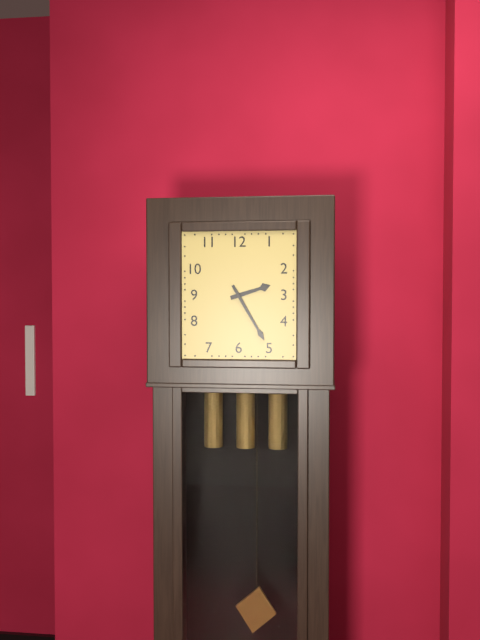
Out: 2:25
